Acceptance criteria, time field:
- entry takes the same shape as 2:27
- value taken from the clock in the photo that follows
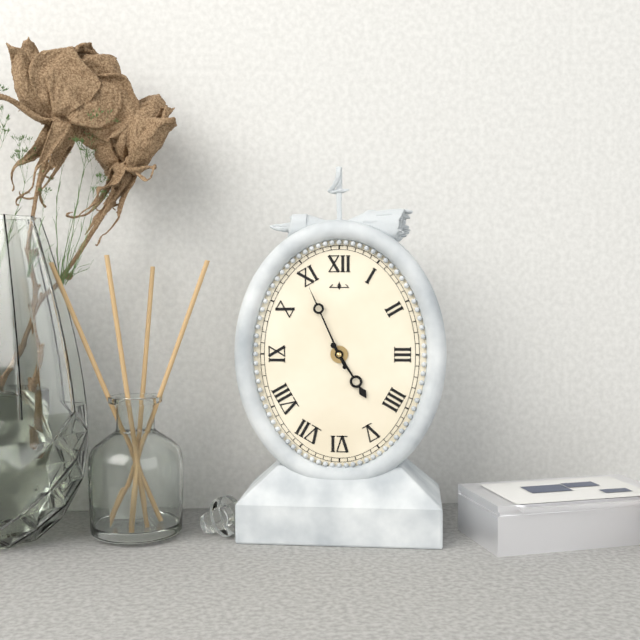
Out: 4:56
